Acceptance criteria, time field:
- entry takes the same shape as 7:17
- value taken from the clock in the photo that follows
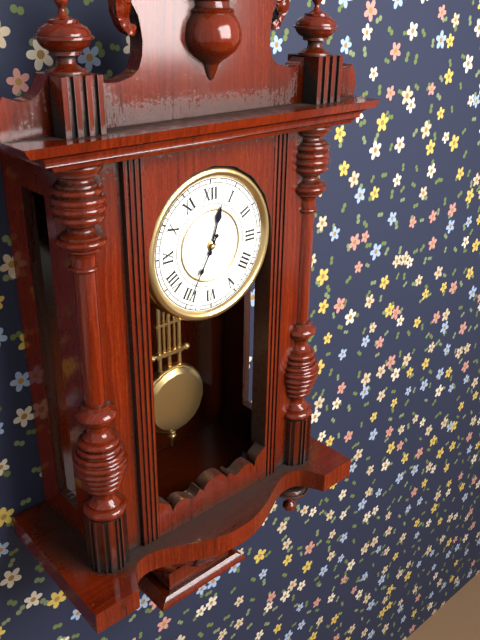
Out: 12:35
